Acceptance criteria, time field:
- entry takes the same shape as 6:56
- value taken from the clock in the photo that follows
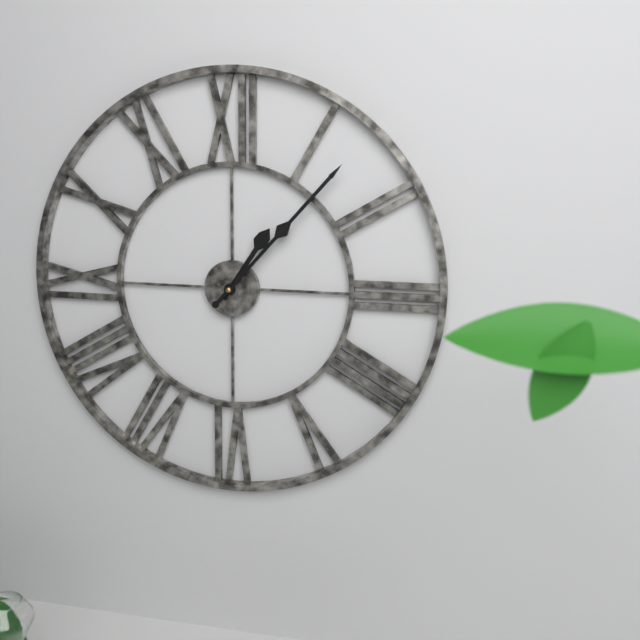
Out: 1:07
